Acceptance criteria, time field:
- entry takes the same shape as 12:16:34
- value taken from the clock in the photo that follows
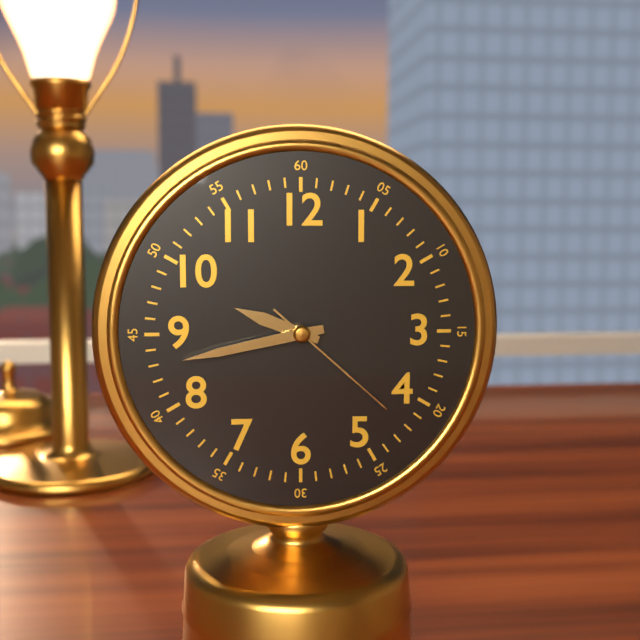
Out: 9:43:22
